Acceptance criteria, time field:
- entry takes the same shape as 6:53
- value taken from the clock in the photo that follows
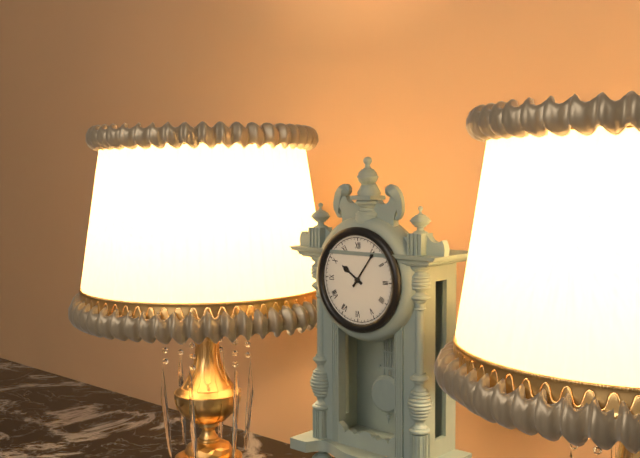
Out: 10:06
